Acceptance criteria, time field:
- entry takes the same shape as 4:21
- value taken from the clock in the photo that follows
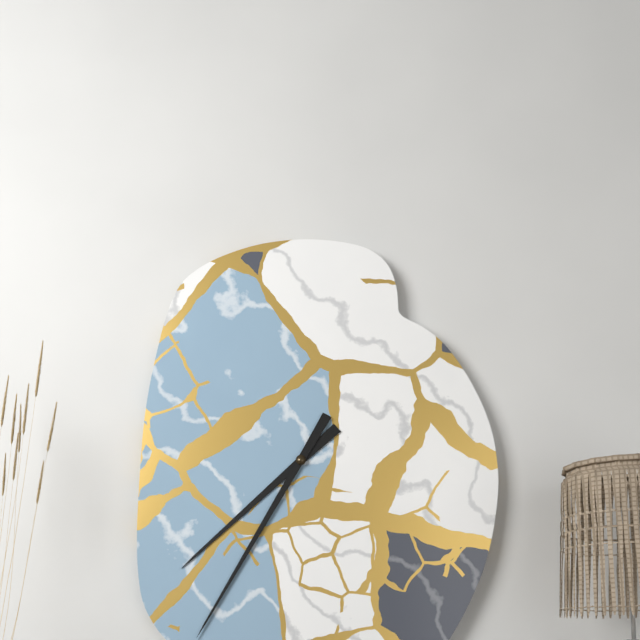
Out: 7:35
